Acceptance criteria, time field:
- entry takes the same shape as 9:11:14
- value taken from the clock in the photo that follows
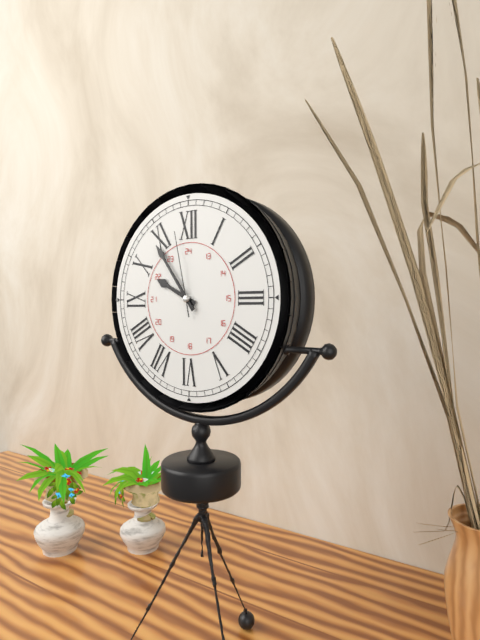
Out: 9:54:58
